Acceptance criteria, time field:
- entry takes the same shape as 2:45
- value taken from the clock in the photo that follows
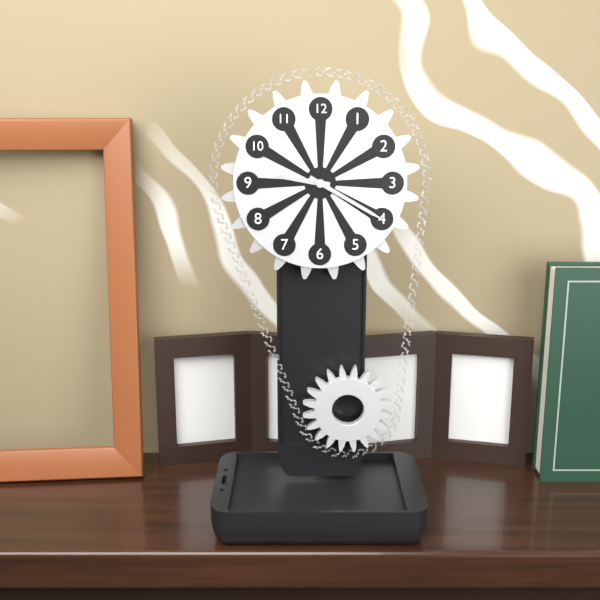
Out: 9:20
